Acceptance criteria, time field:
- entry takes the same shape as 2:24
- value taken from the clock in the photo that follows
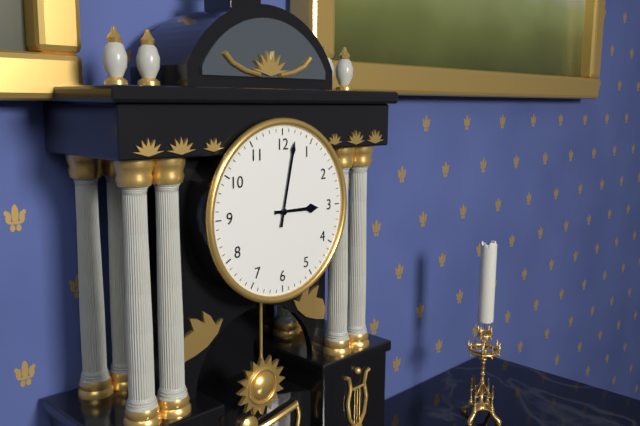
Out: 3:02
